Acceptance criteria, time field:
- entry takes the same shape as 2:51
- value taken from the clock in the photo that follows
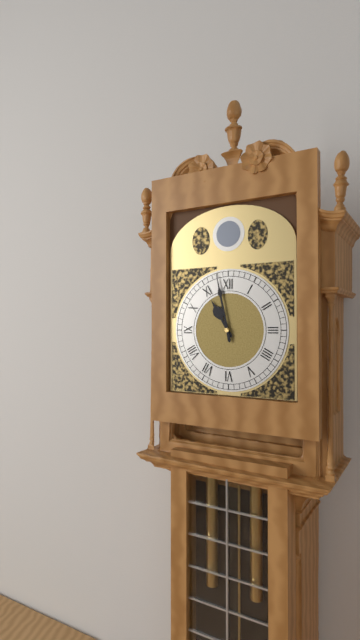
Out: 10:58
